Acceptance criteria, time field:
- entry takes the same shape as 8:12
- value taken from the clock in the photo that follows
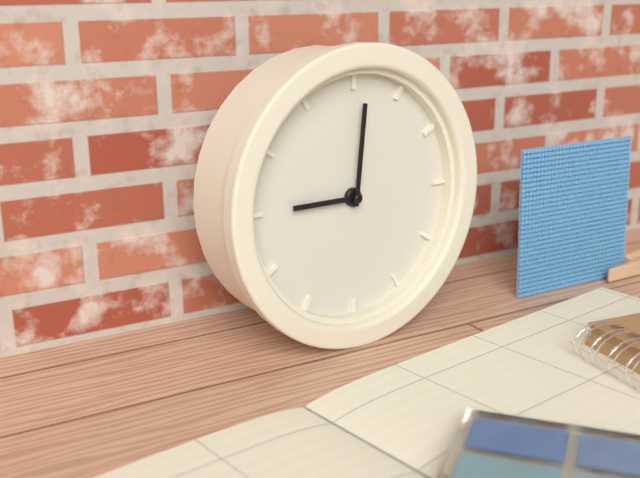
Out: 9:01
